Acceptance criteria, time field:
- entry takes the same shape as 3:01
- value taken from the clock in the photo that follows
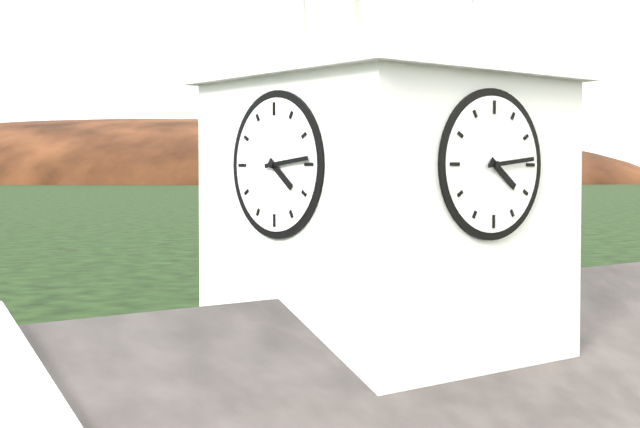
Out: 4:14
